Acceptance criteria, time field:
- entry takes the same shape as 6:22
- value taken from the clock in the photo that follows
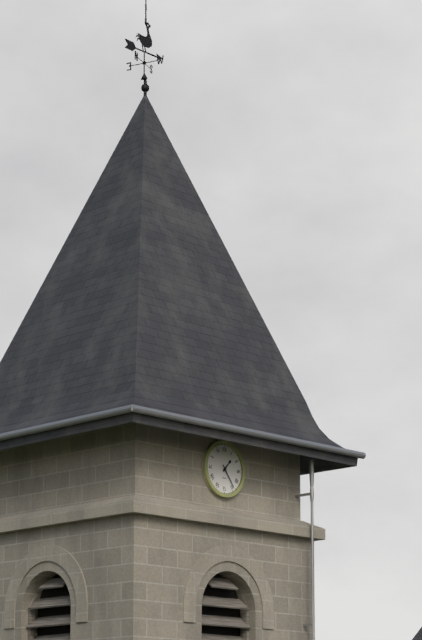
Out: 1:24
